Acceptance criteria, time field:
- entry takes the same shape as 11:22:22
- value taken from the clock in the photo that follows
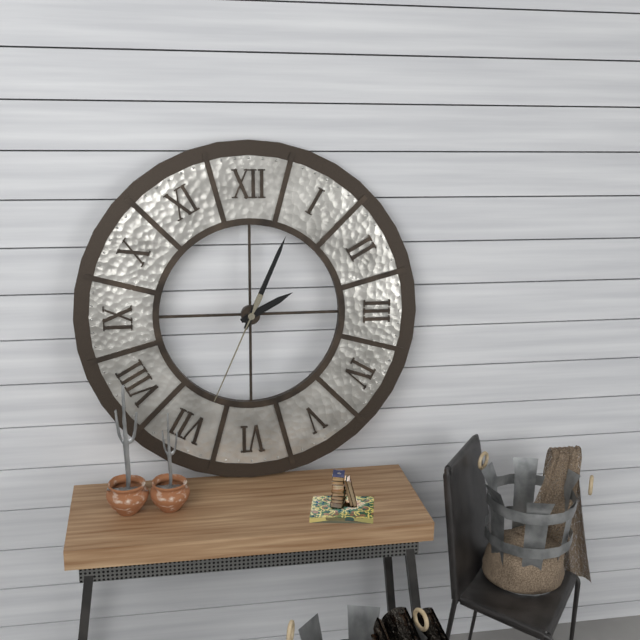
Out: 2:04:34
